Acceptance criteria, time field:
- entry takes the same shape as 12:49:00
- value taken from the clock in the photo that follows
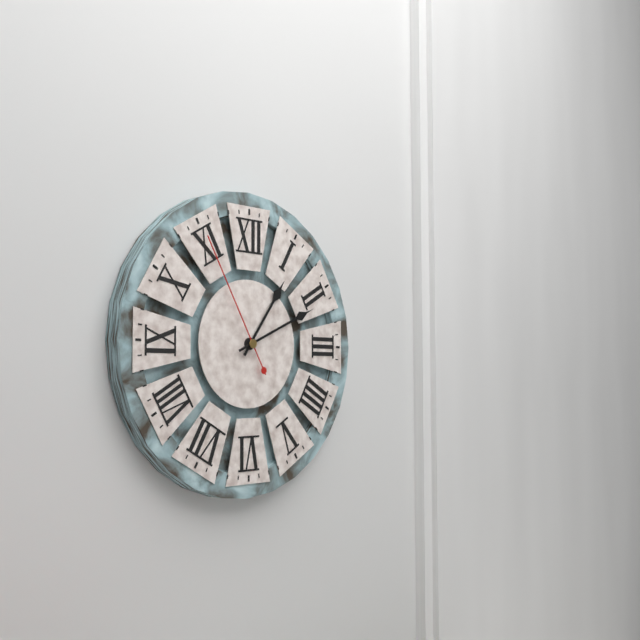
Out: 1:11:55
